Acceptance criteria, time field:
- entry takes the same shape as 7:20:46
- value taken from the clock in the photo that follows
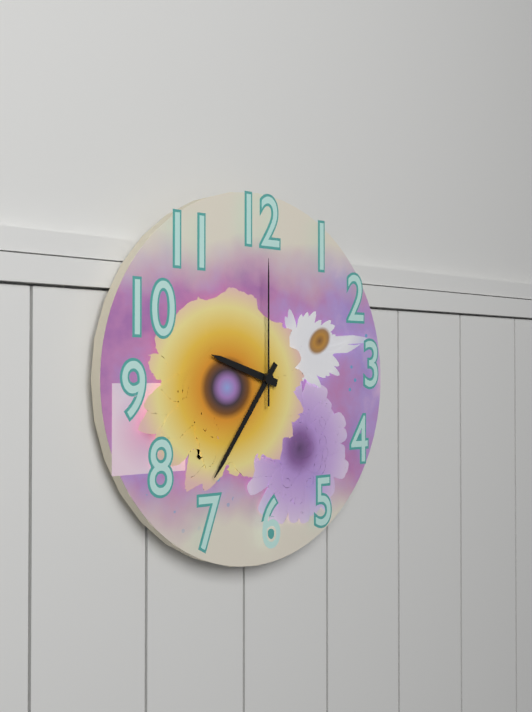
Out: 9:36:00
